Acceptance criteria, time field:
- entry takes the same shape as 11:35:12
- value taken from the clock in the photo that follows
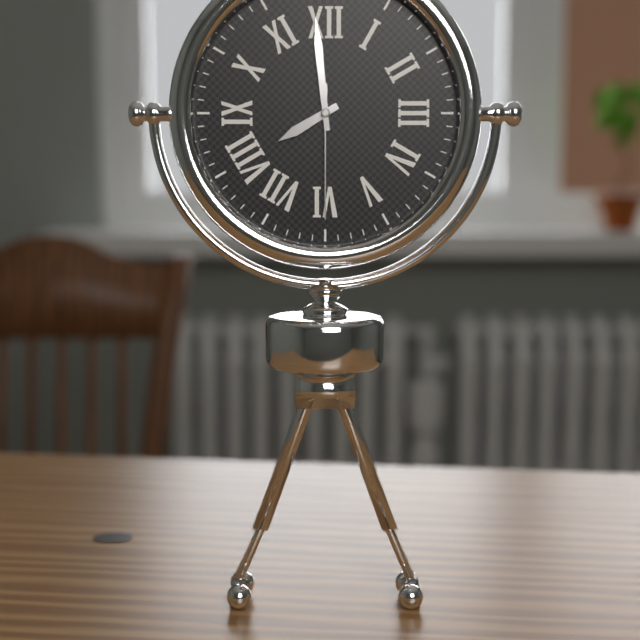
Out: 7:59:30
